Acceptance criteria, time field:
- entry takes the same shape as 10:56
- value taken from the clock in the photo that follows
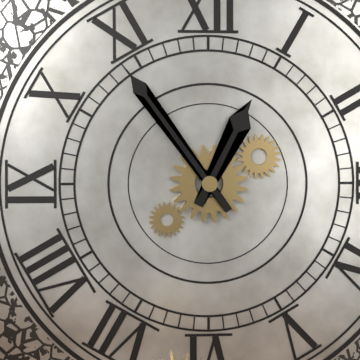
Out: 12:54
